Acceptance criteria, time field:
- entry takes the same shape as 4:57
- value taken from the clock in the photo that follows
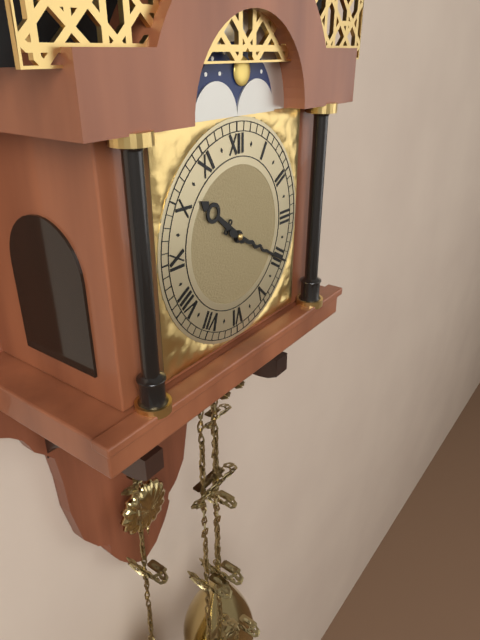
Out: 10:20
